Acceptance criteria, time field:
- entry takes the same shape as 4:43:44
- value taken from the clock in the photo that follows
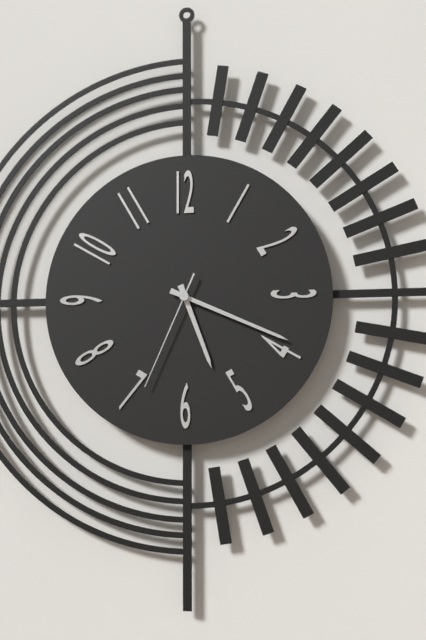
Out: 5:19:34
